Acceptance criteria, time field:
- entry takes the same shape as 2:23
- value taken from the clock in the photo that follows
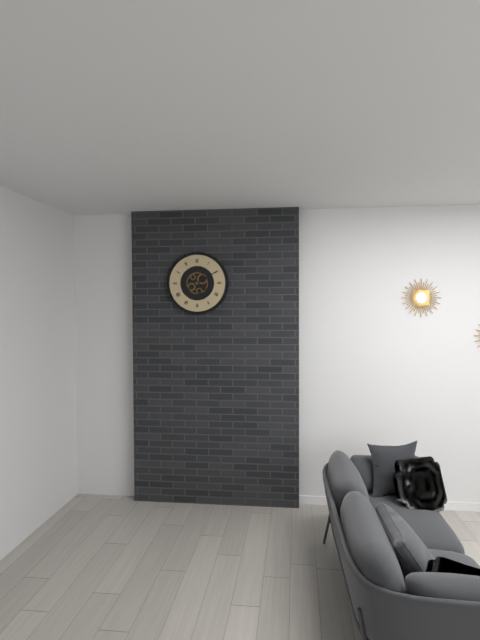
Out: 4:10
